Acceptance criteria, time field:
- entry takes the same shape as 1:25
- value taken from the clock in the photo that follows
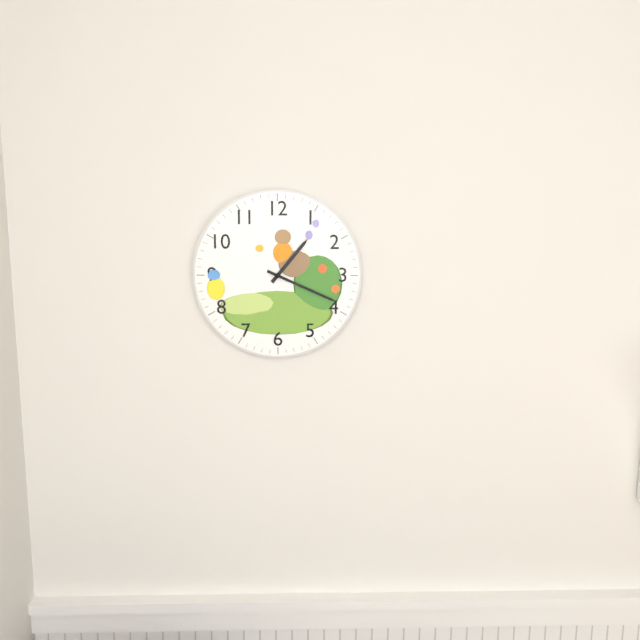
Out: 1:19
